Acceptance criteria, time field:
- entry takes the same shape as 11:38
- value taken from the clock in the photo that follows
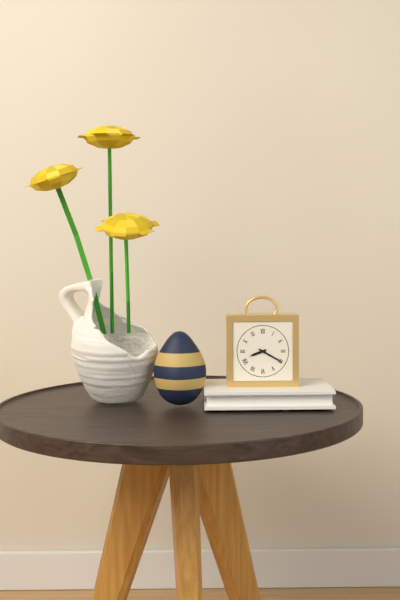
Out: 8:20
